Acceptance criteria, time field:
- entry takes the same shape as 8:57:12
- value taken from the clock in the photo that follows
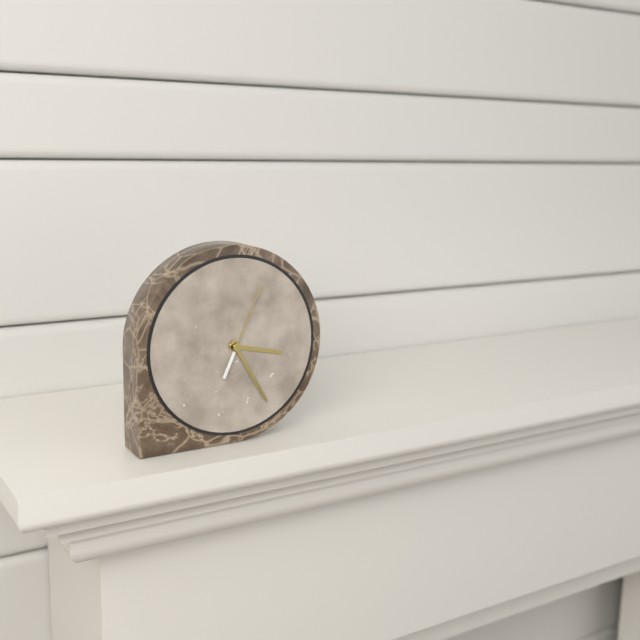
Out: 3:25:04
